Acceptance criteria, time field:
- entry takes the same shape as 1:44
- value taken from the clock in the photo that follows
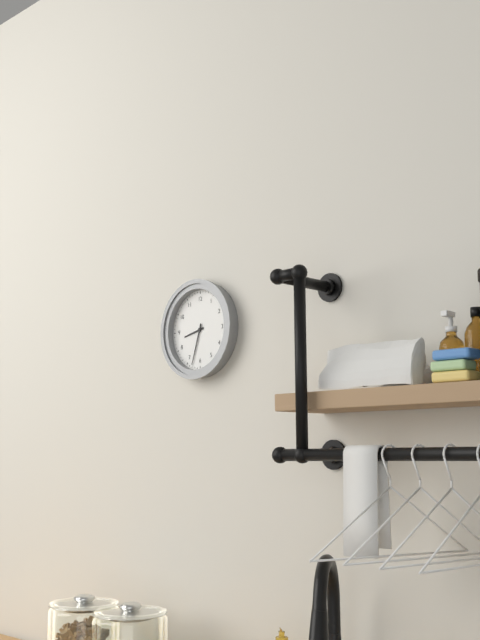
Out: 8:33
